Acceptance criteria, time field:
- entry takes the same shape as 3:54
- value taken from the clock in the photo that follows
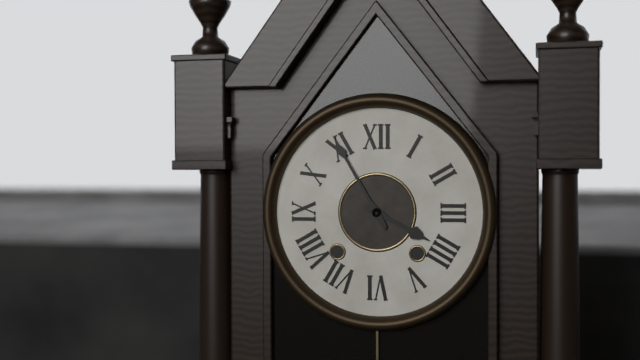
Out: 3:55
